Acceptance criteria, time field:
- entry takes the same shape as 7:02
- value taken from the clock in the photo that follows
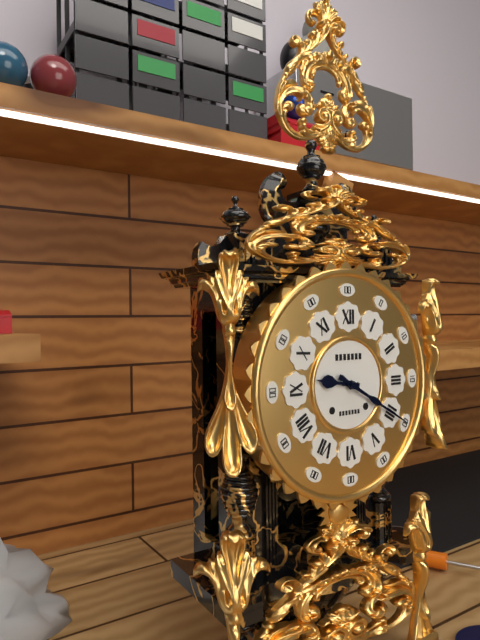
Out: 9:20
